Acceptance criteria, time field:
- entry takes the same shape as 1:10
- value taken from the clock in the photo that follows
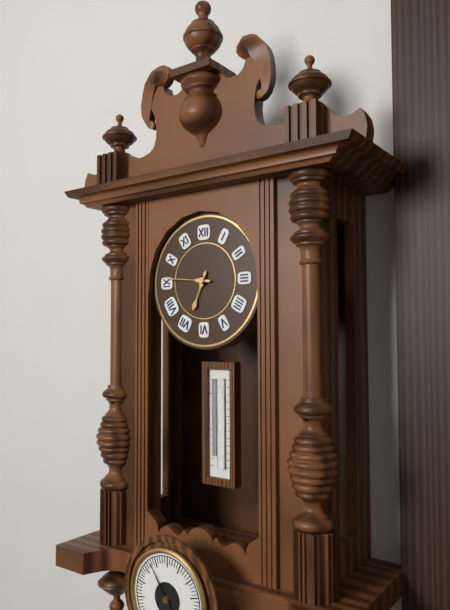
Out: 6:46
